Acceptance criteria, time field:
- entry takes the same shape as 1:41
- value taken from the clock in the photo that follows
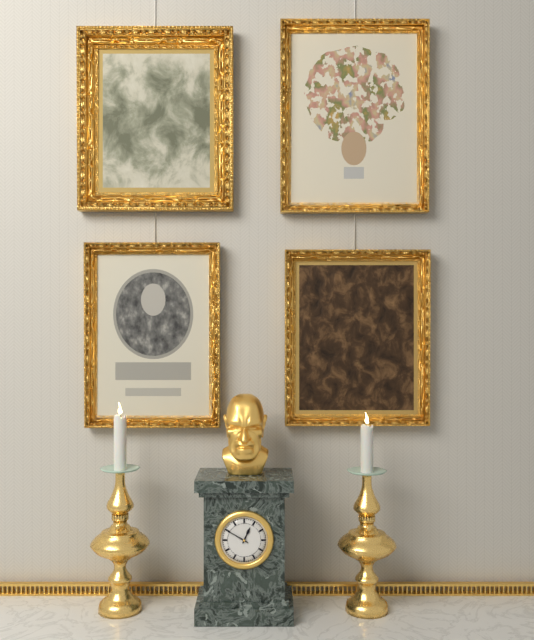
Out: 12:50
